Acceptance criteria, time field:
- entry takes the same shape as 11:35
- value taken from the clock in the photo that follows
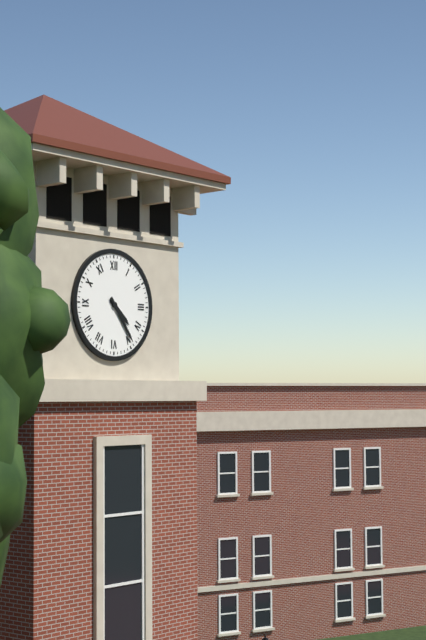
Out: 4:24
